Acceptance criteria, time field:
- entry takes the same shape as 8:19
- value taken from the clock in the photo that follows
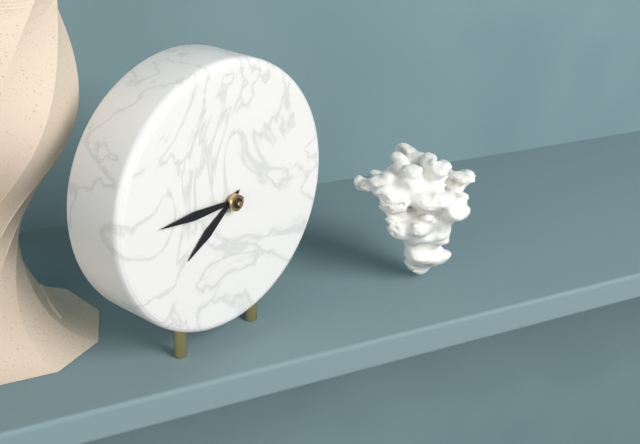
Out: 7:45
